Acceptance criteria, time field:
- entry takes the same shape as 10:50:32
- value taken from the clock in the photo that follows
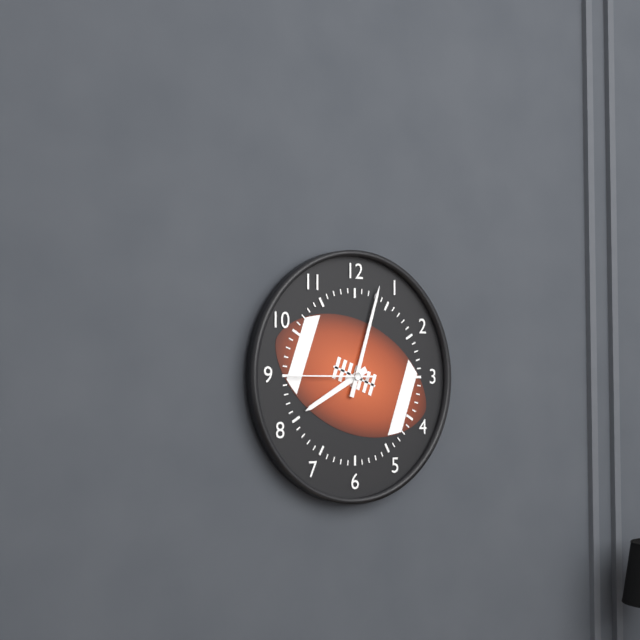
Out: 8:03:45
